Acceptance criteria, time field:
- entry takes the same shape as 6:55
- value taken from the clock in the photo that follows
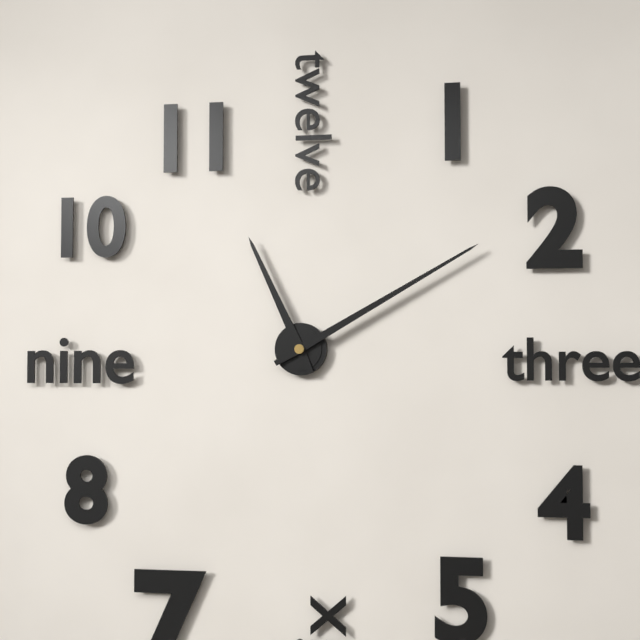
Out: 11:10
